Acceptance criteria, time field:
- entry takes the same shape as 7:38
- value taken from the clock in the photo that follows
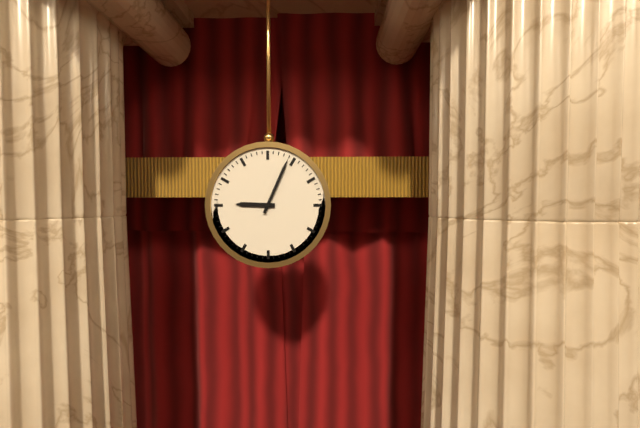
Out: 9:04
